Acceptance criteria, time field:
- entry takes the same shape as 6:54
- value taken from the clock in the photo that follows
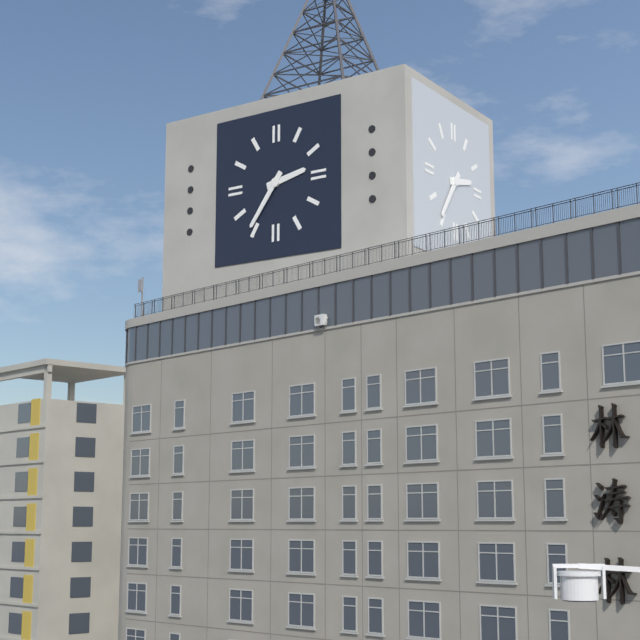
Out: 2:36
